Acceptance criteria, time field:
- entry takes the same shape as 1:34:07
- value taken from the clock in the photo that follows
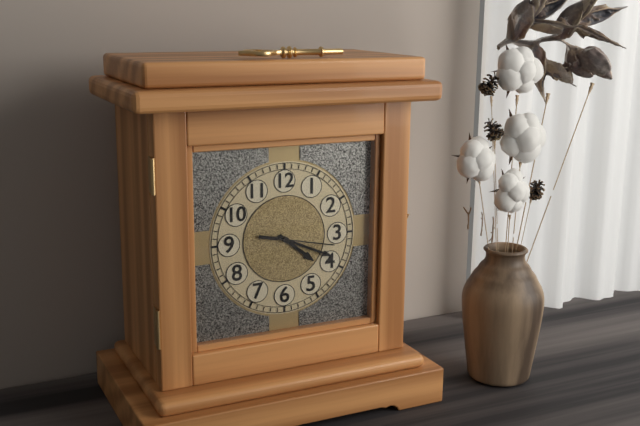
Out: 4:19:17
